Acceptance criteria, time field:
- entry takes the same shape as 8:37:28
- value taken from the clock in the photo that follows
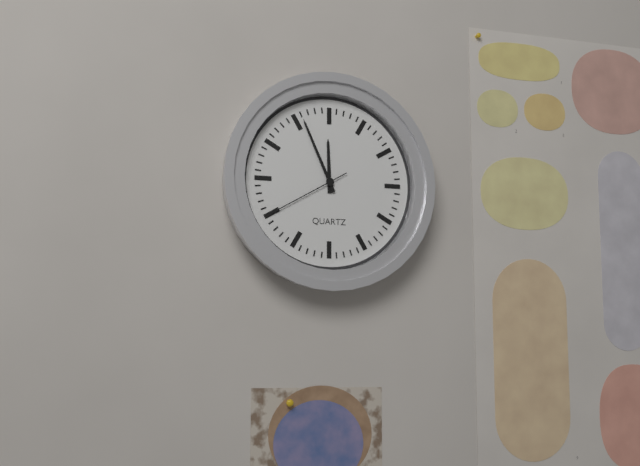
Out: 11:56:40
